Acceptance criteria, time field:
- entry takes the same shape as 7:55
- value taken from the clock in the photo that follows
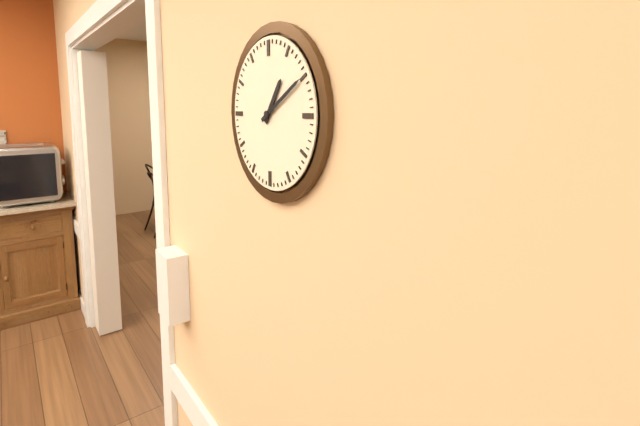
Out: 1:10
